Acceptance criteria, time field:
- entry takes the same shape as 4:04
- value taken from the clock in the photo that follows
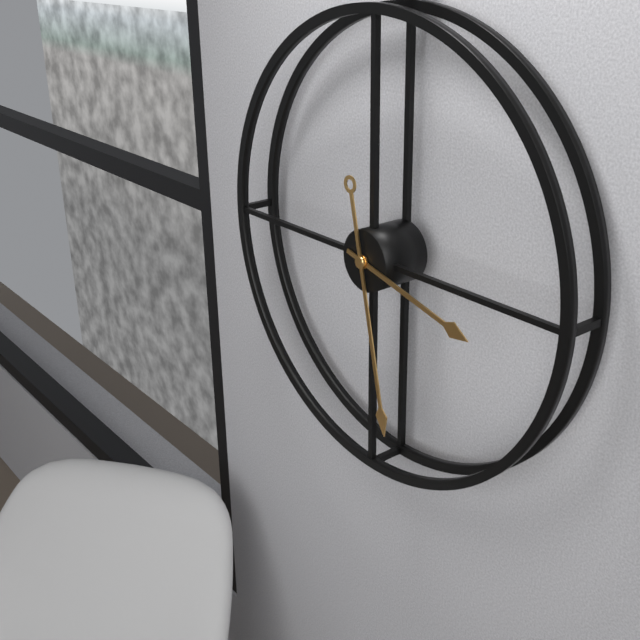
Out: 3:28
